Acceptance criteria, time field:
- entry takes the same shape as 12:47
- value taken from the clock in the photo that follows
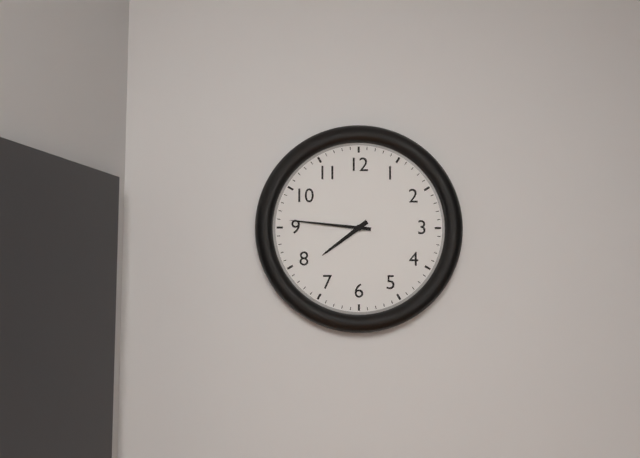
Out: 7:46
